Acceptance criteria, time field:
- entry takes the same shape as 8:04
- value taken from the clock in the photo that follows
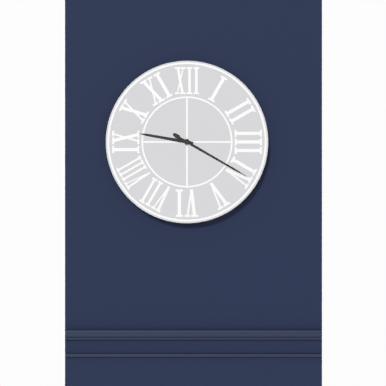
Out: 9:20
